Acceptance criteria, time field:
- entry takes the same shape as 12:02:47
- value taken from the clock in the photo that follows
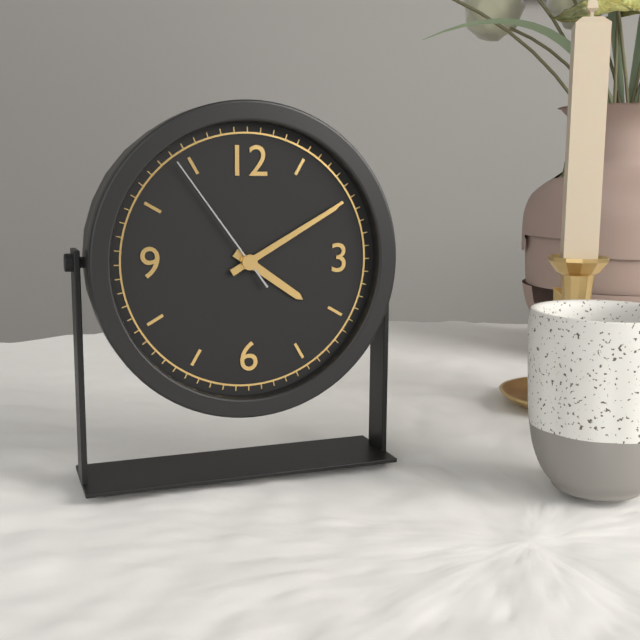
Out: 4:10:54
